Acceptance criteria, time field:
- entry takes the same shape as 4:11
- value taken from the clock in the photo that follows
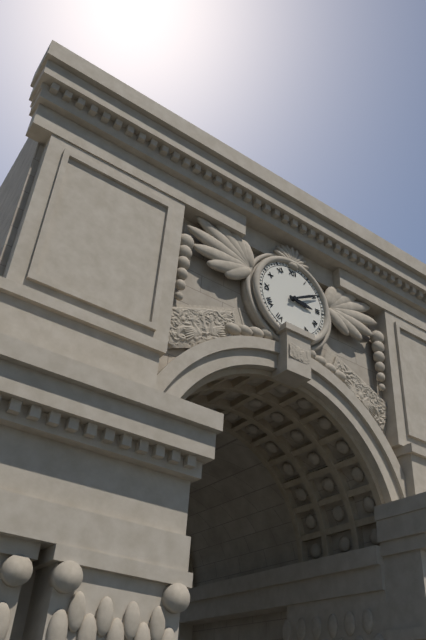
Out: 3:10
